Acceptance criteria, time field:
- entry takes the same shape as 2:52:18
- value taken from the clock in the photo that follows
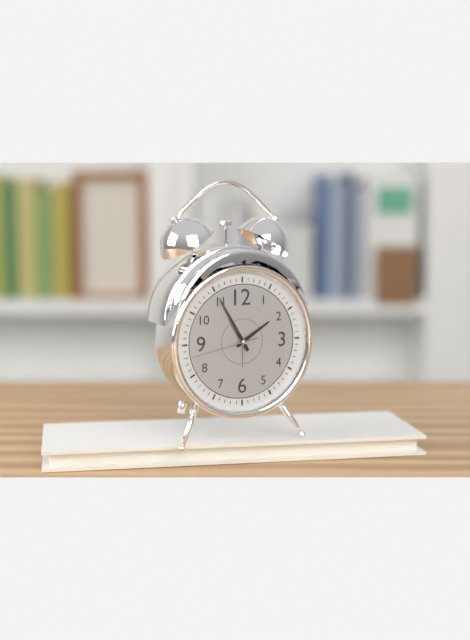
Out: 1:55:43
